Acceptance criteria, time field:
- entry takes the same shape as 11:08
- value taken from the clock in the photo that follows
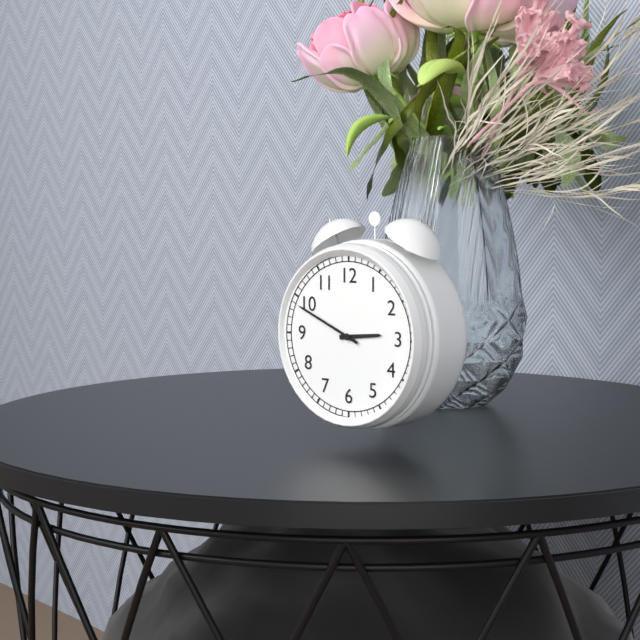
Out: 2:49
